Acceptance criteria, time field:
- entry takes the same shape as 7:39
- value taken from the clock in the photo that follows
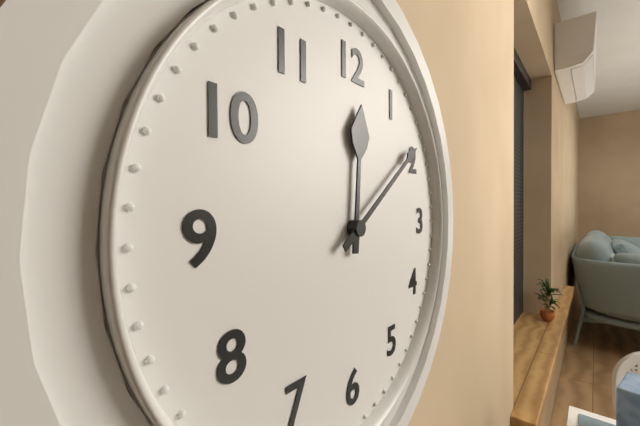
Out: 12:09
